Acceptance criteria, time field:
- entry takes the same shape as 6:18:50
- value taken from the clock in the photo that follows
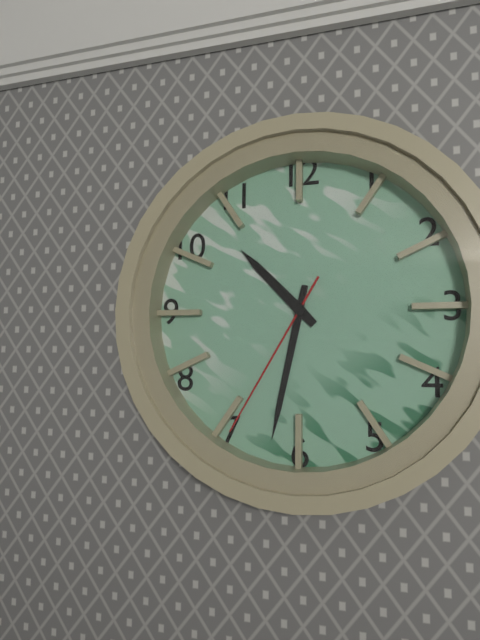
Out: 10:32:35
